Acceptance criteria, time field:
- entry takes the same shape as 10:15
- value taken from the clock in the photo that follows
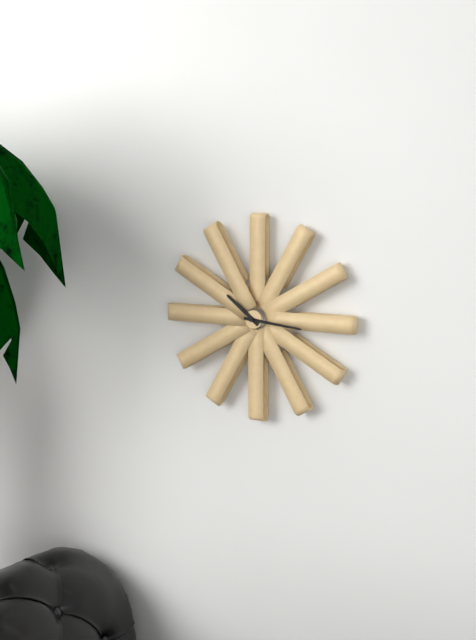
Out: 10:16
